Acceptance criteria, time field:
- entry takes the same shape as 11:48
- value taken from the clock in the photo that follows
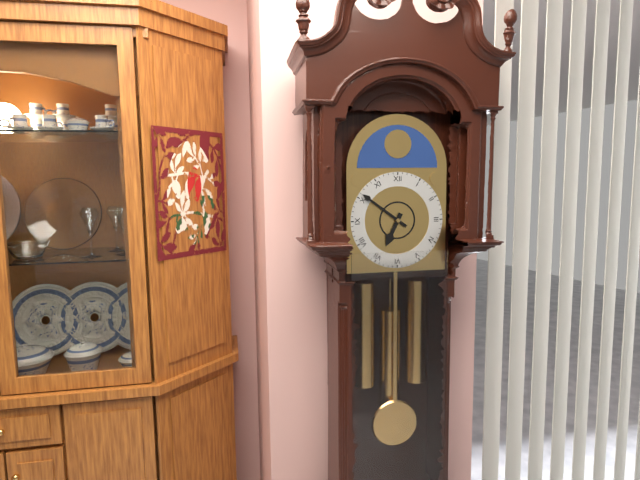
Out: 6:51
